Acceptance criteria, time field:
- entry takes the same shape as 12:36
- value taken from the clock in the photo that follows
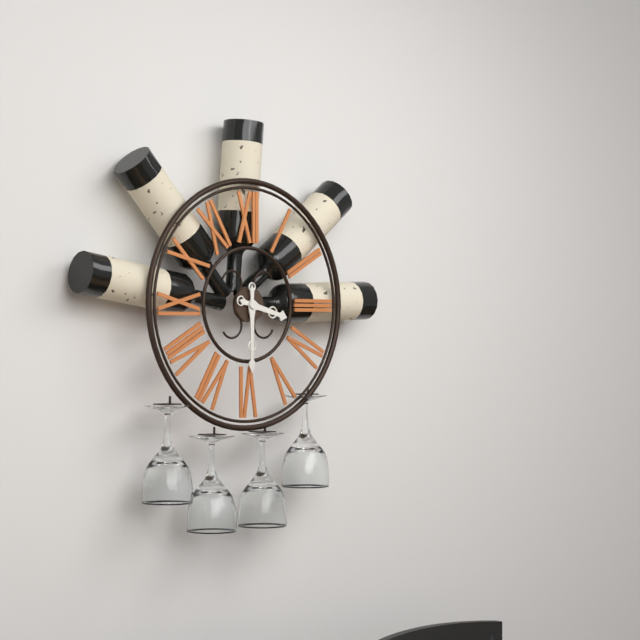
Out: 3:30
